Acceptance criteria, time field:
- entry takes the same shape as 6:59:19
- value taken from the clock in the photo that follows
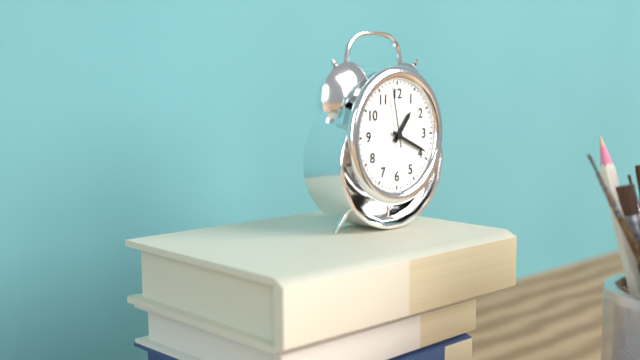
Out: 1:19:58
